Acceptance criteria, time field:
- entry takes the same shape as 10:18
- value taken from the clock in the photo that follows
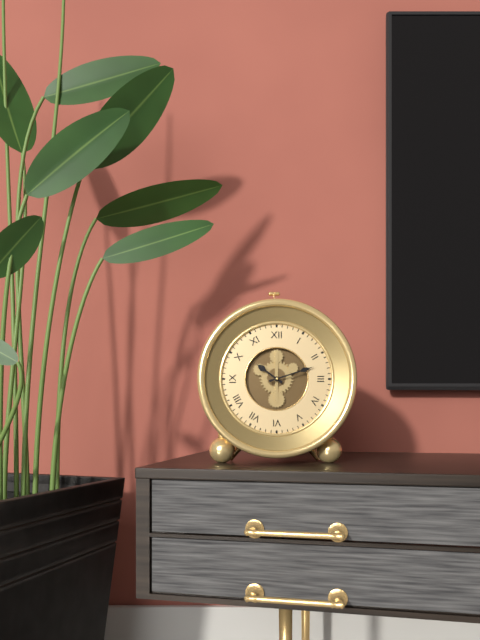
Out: 10:12
